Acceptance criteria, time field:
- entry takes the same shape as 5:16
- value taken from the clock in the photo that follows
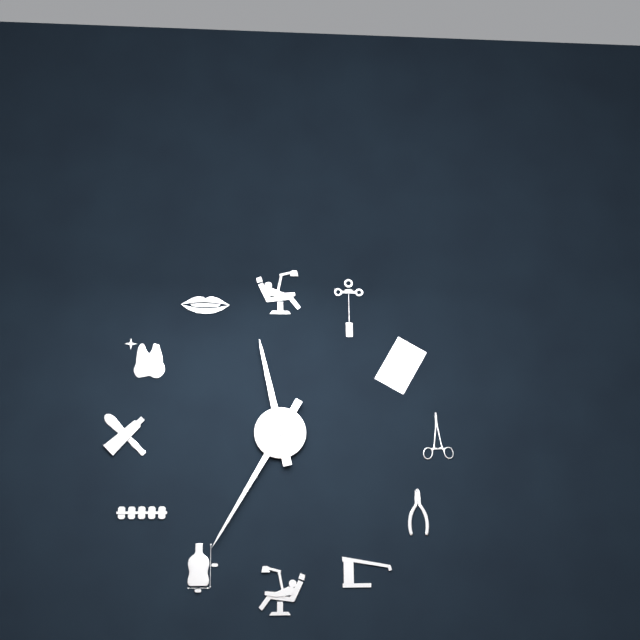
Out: 11:35
